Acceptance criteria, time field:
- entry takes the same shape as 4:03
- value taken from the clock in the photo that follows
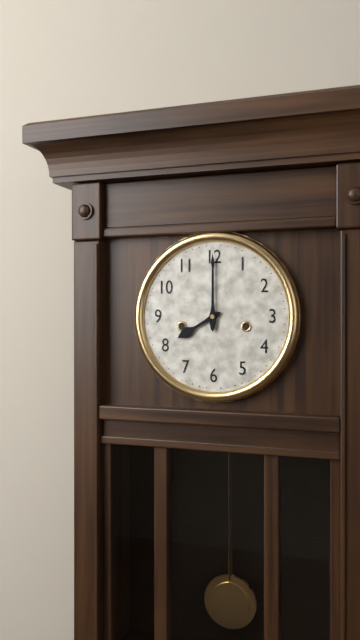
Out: 8:00
